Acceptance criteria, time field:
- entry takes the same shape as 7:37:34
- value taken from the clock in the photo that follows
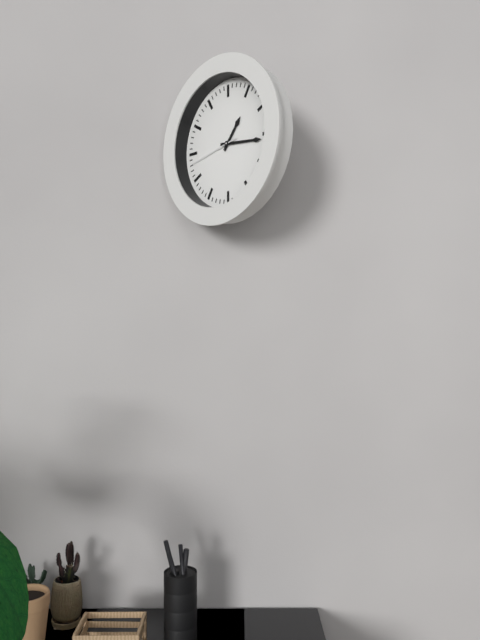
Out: 1:16:43
